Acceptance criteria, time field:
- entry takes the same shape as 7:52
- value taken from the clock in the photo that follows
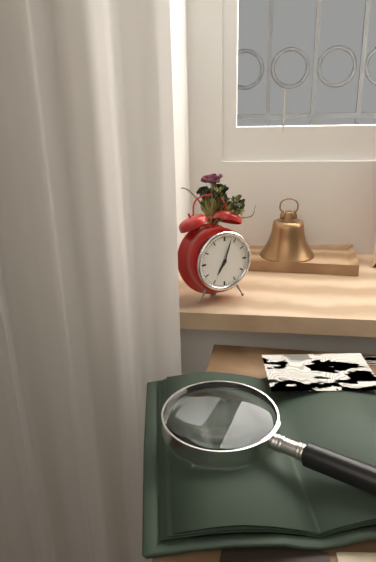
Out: 7:03
